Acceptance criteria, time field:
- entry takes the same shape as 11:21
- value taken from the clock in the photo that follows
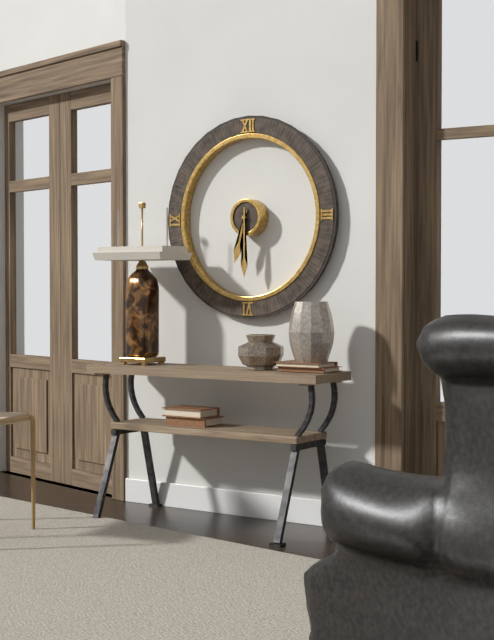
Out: 6:30
